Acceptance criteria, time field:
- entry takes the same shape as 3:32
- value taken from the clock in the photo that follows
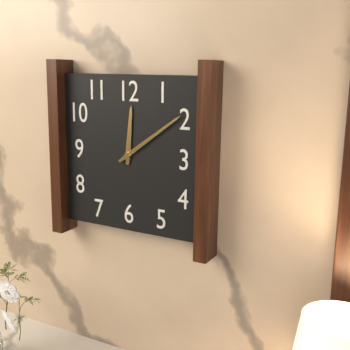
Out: 12:09
